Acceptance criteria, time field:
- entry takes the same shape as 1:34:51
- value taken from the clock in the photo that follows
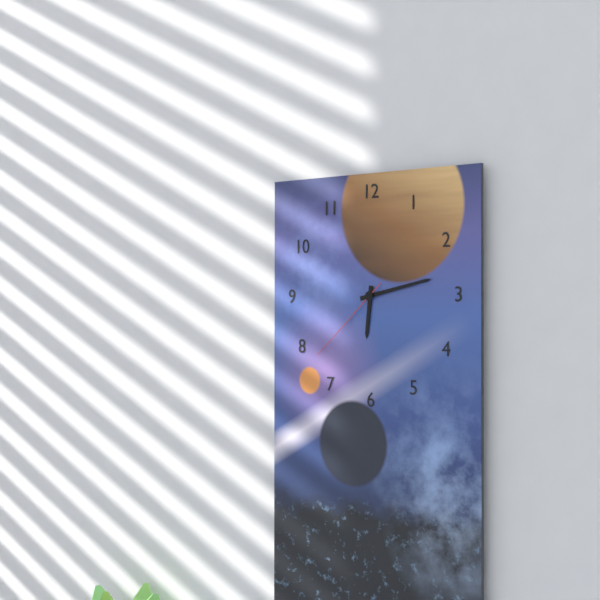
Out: 6:13:38
